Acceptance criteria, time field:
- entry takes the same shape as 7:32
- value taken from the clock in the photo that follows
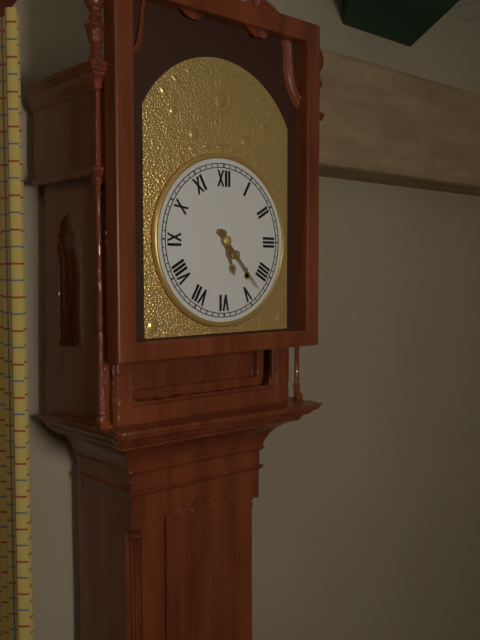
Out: 5:23
